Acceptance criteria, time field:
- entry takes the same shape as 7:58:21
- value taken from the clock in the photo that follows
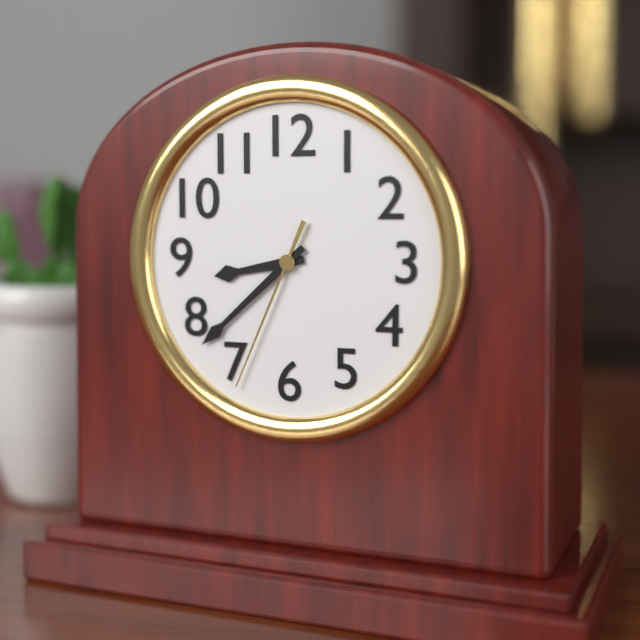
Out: 8:38:34
